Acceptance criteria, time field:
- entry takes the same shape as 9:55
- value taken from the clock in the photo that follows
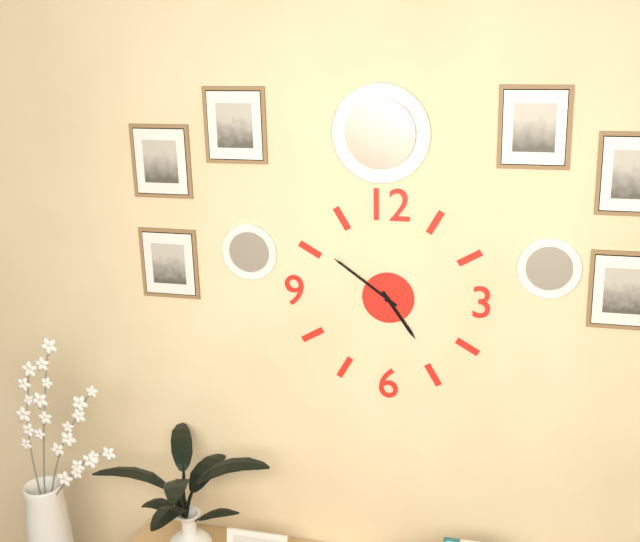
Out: 4:51
